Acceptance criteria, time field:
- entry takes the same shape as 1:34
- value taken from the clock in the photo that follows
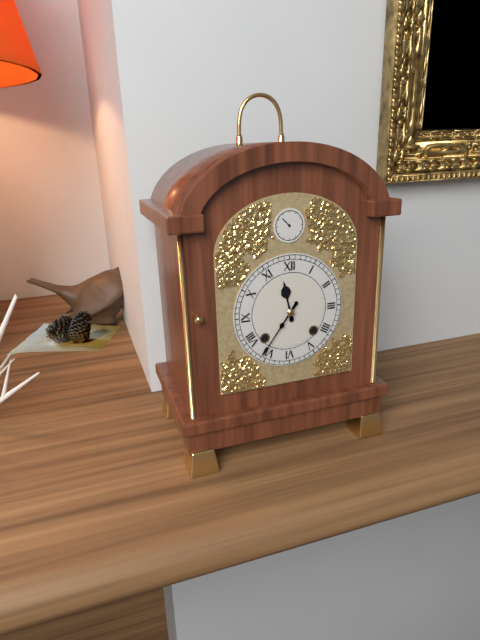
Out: 11:36
